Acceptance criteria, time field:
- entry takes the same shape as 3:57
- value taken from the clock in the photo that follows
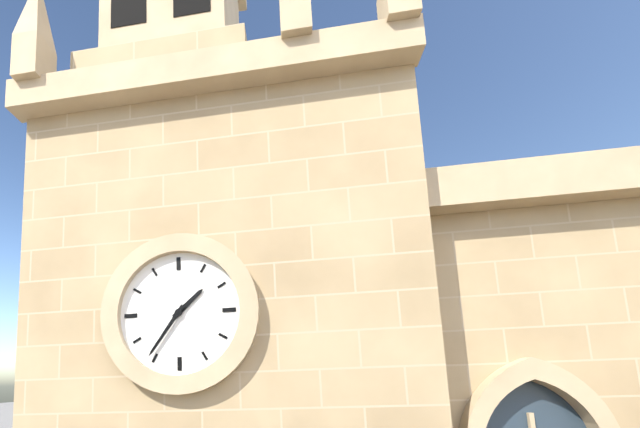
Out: 1:36
